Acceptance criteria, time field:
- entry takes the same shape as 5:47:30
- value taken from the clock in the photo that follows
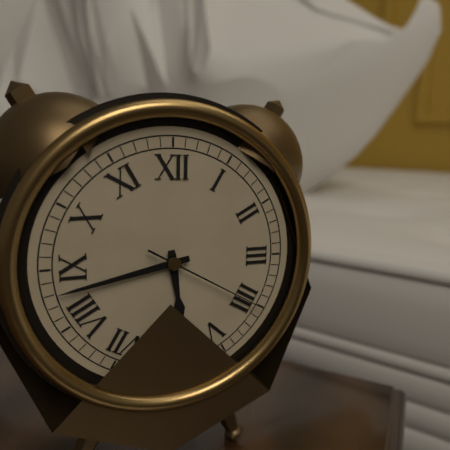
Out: 5:43:20
